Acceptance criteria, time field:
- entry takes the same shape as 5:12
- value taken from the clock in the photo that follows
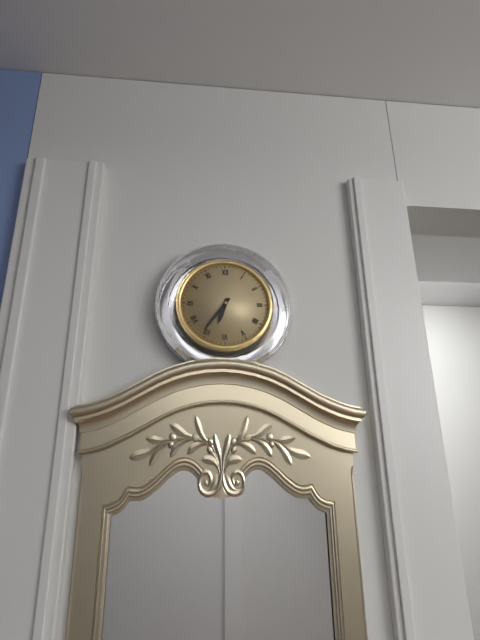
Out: 6:36
